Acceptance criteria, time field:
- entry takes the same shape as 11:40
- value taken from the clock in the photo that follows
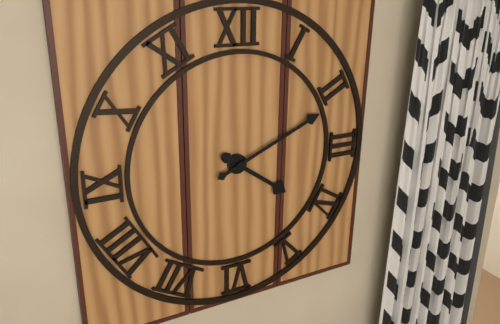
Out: 4:11
